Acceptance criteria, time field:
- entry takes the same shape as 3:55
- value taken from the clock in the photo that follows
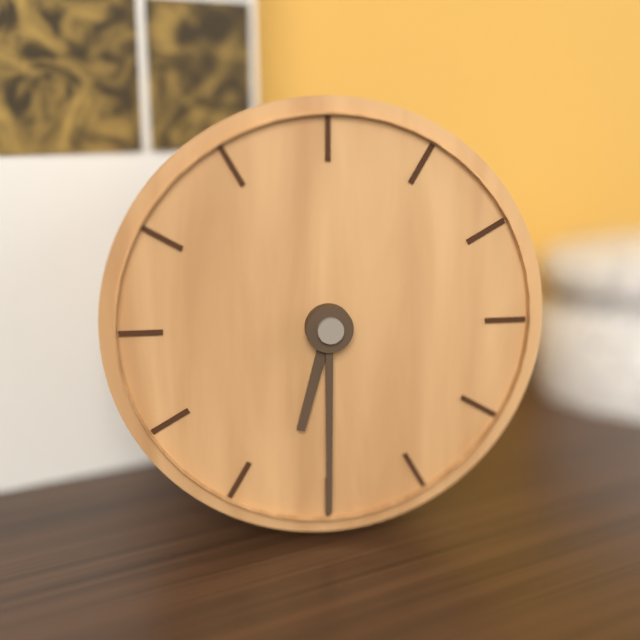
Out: 6:30
